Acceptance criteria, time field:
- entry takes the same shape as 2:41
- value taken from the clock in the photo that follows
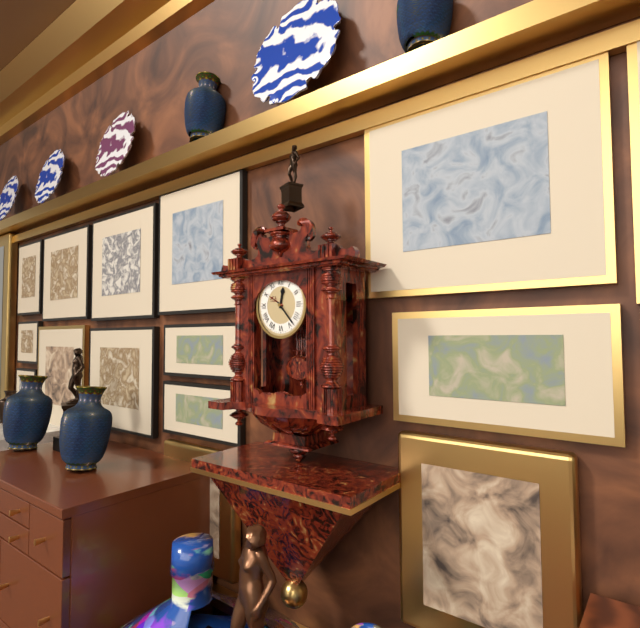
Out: 12:23
